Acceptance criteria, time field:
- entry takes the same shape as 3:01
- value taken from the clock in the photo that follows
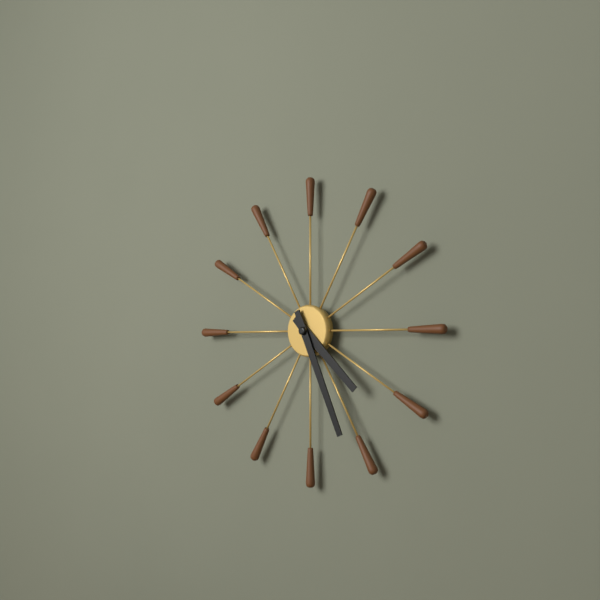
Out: 4:26
